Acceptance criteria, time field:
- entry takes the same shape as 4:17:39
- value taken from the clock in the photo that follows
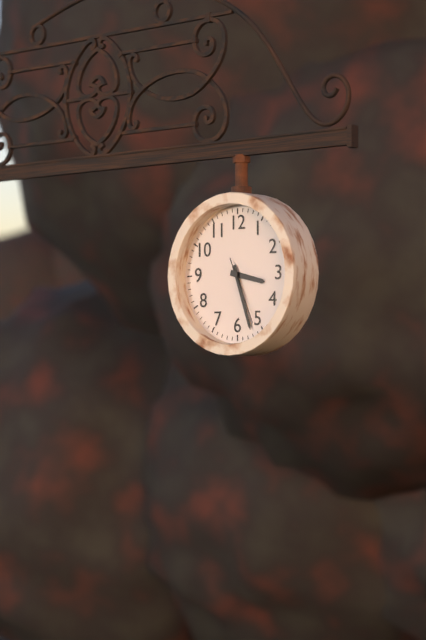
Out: 3:27:26
